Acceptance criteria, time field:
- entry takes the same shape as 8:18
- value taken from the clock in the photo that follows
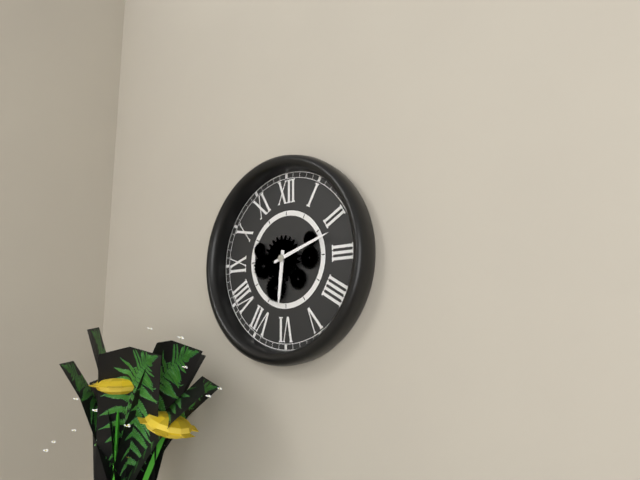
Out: 6:12
